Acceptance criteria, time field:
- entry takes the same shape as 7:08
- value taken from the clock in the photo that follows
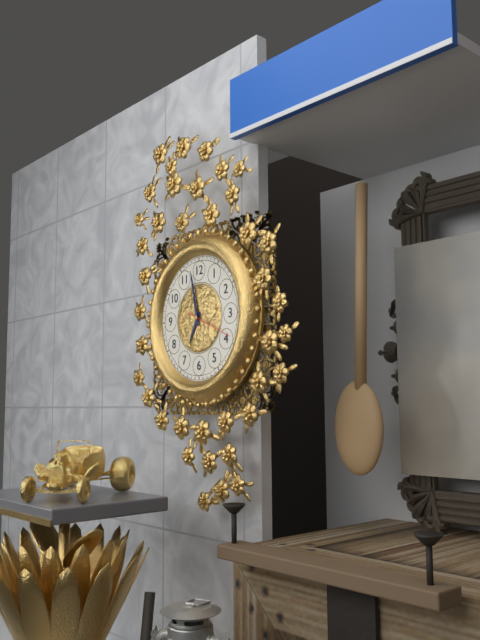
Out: 6:58
